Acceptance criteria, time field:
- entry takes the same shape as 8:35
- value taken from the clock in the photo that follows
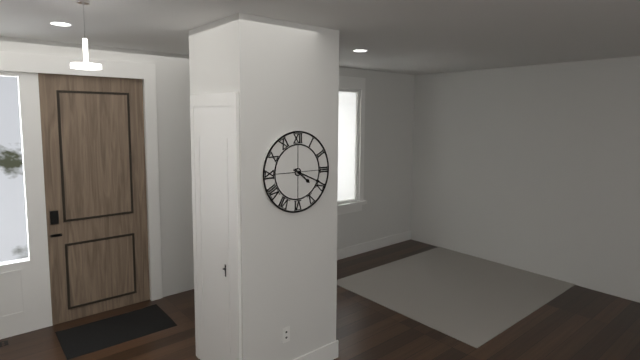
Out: 4:19
